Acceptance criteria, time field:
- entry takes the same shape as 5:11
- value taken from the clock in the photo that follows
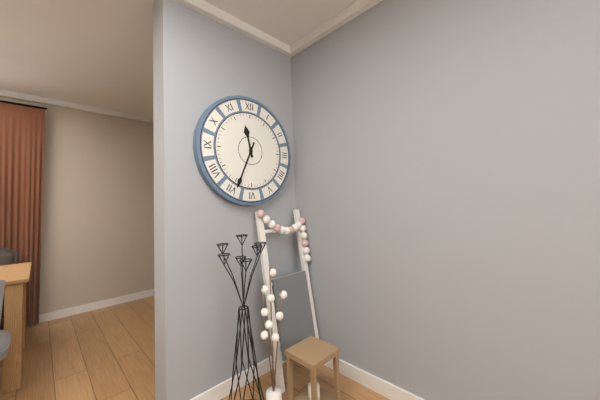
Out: 11:34
